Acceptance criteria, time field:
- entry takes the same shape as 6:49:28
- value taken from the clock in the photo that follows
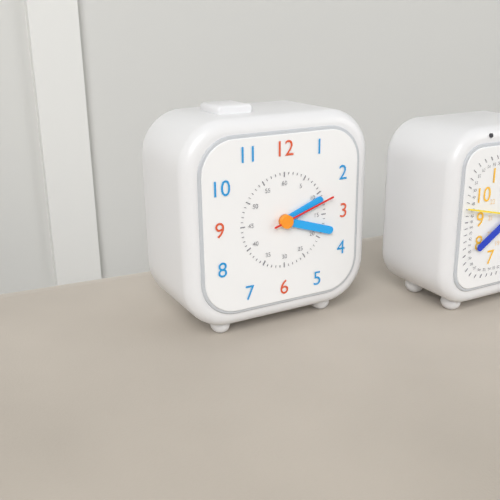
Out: 2:18:12
